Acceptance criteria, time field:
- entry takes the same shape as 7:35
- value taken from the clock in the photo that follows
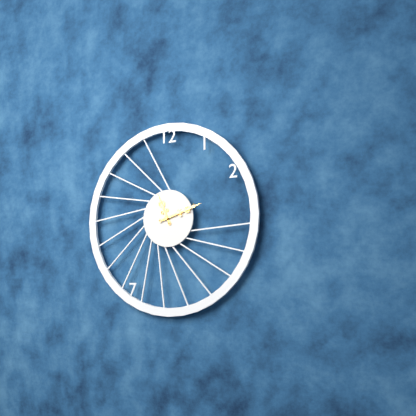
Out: 11:12
